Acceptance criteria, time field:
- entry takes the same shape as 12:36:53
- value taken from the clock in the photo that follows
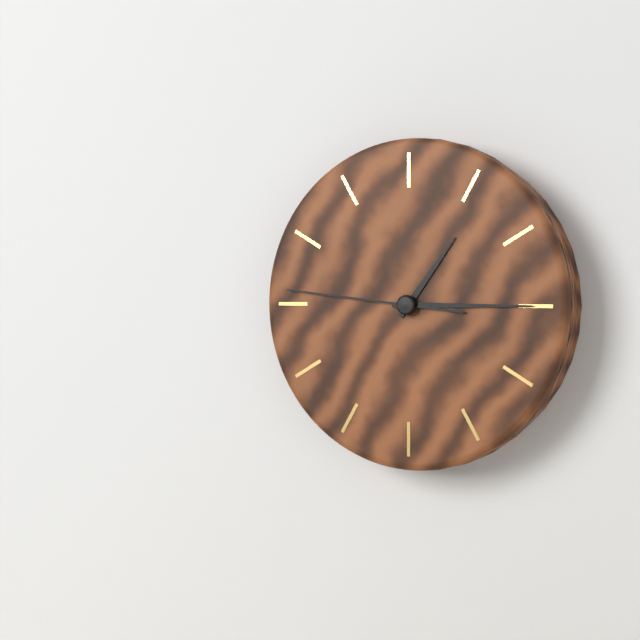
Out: 1:15:46
